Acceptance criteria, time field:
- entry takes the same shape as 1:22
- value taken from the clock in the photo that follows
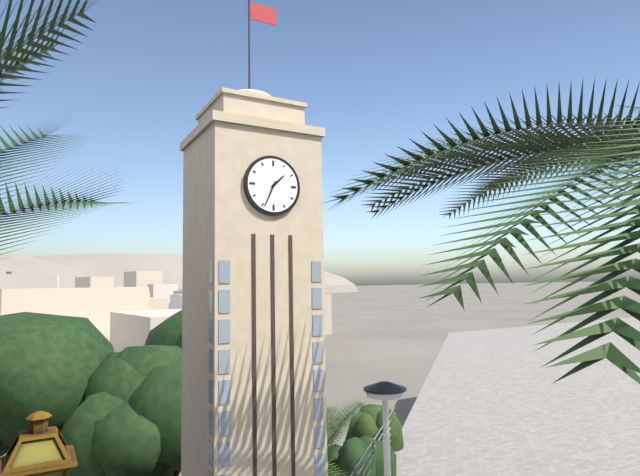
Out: 1:34
